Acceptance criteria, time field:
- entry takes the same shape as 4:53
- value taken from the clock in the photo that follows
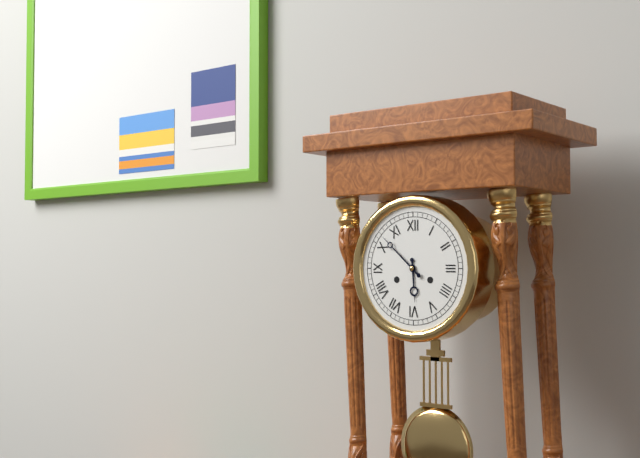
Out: 5:52
